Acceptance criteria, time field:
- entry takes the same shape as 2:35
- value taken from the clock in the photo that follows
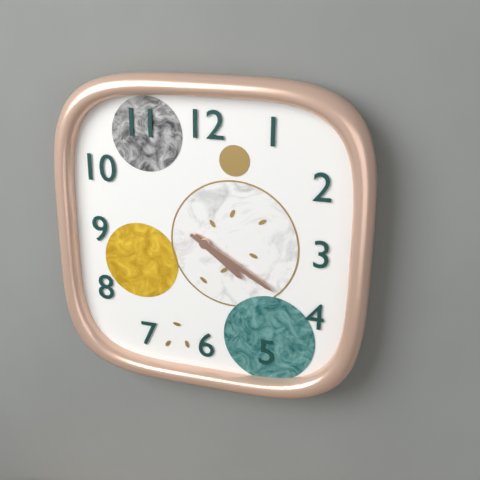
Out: 4:20
